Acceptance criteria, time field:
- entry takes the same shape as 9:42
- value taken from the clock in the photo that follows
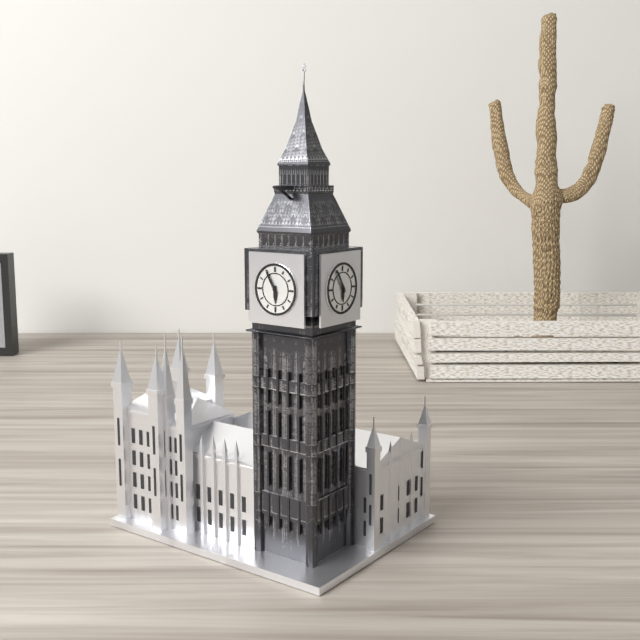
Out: 5:55
